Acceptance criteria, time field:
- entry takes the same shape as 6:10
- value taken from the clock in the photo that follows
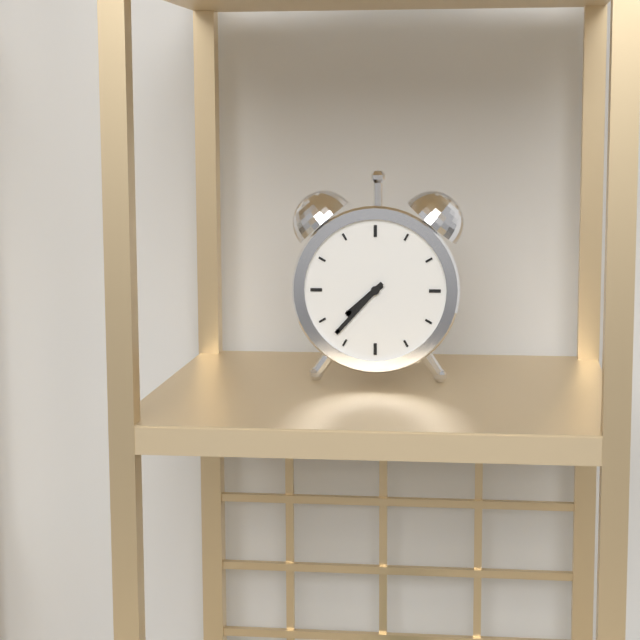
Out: 7:37
